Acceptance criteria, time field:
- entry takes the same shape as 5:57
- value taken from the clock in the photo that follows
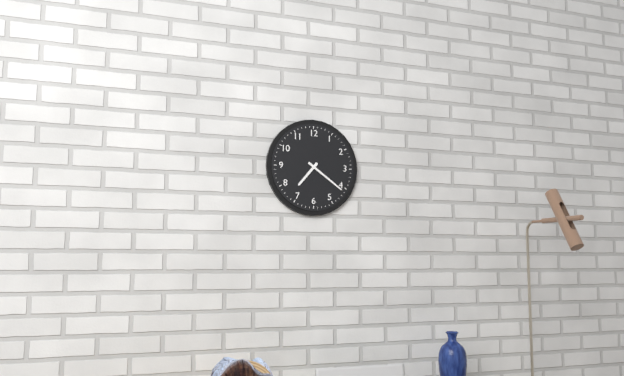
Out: 7:21
